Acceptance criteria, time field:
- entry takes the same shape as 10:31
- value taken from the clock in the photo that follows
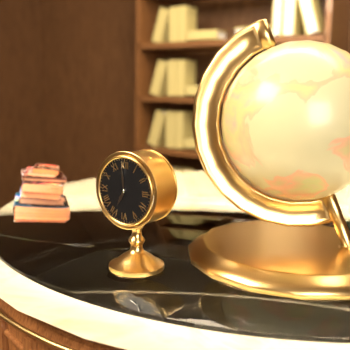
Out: 6:59
